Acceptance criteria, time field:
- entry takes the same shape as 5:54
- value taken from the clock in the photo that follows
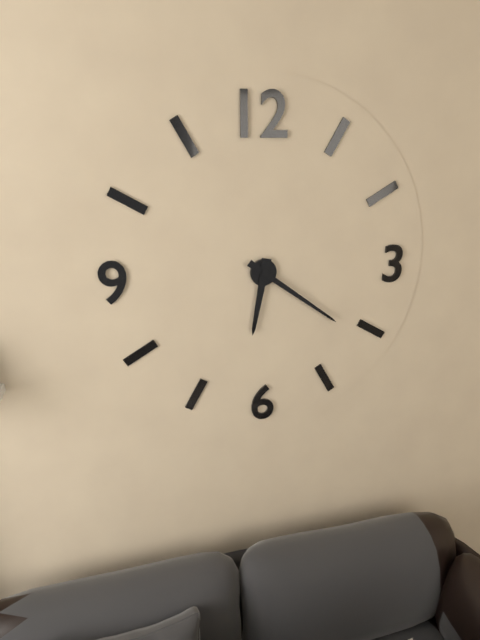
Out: 6:21
